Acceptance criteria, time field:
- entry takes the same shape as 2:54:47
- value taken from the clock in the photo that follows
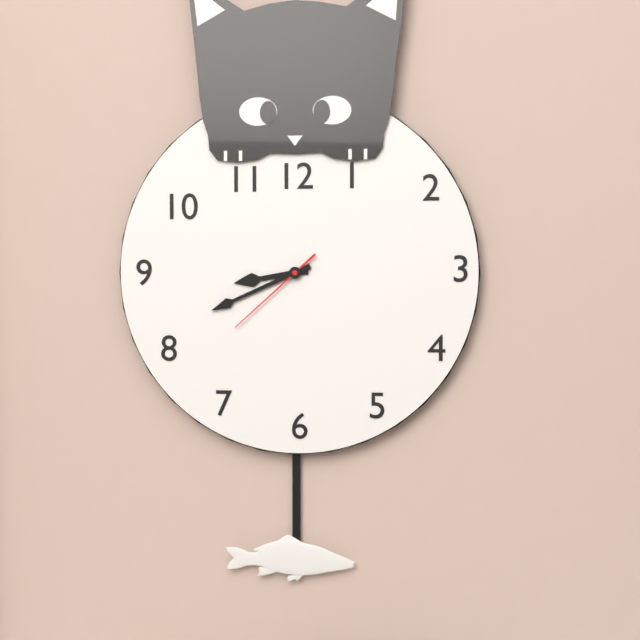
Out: 8:41:38
